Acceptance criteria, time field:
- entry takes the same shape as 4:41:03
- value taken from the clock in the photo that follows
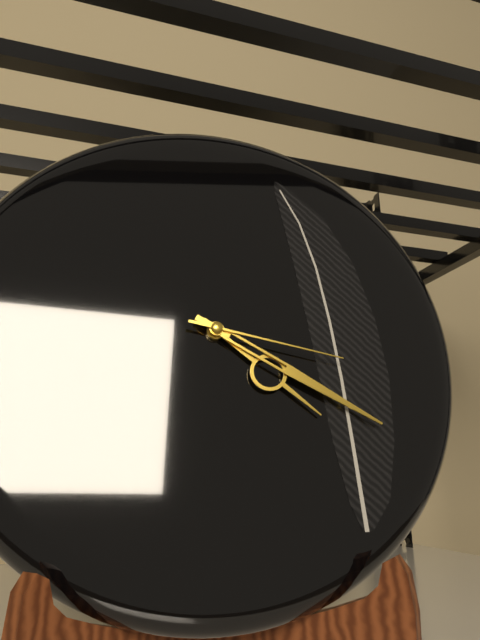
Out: 4:20:17
